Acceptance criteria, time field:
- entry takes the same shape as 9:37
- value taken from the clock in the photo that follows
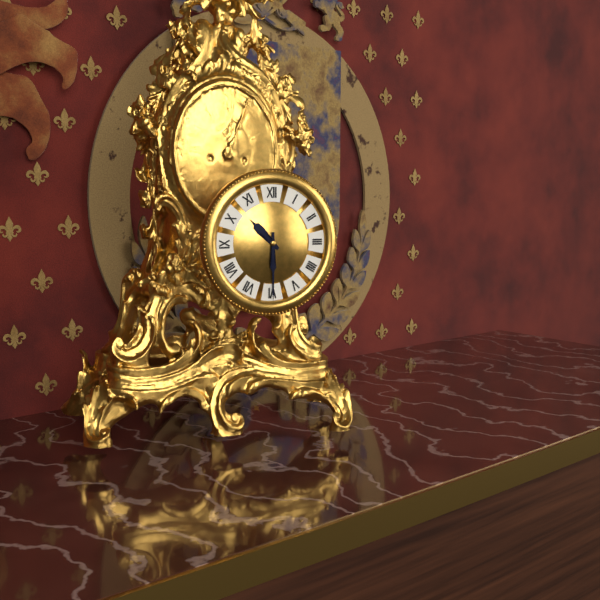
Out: 10:30
